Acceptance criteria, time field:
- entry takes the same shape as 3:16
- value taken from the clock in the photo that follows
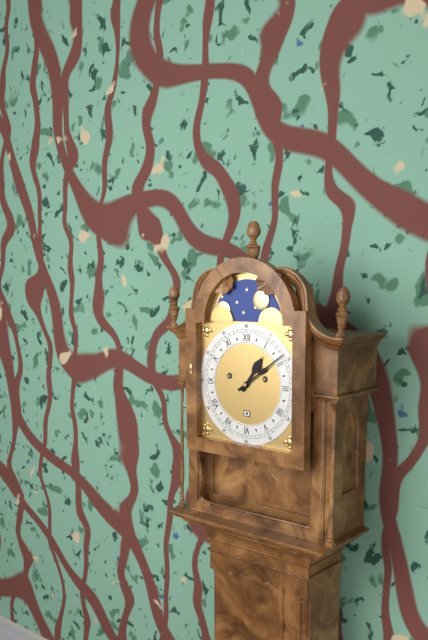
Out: 1:09
